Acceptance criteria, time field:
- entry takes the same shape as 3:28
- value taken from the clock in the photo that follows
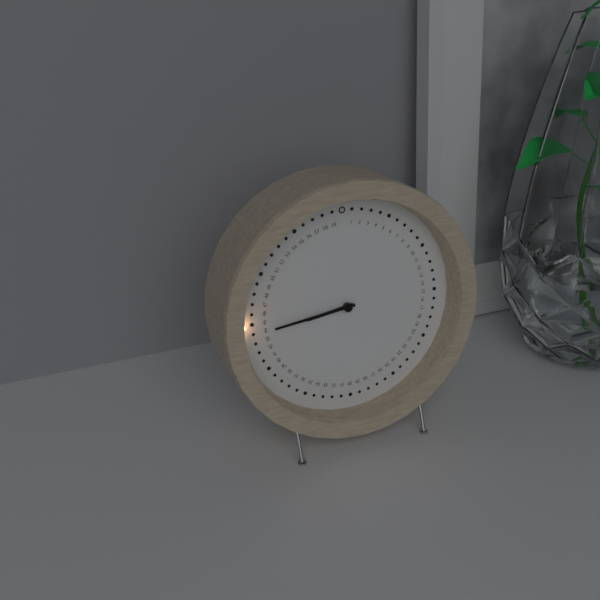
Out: 8:44
